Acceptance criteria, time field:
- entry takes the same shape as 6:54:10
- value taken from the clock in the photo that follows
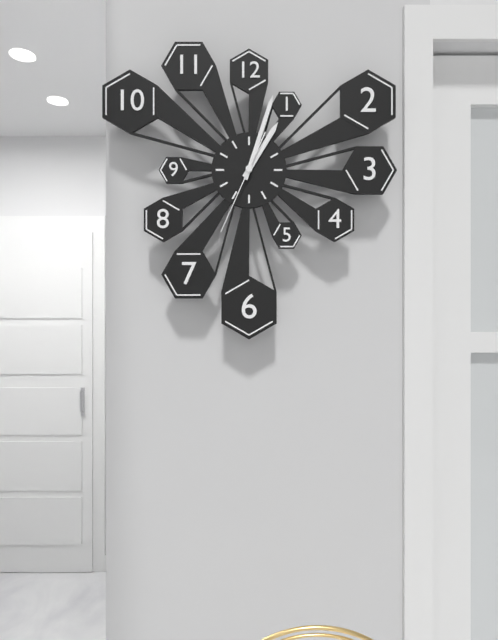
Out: 1:03:34
